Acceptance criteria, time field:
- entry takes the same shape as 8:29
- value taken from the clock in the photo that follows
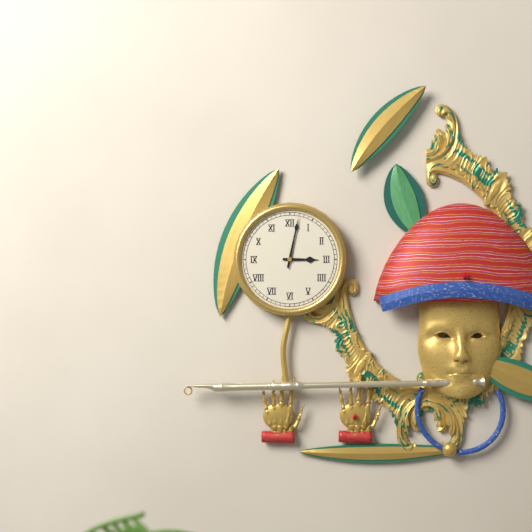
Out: 3:02
